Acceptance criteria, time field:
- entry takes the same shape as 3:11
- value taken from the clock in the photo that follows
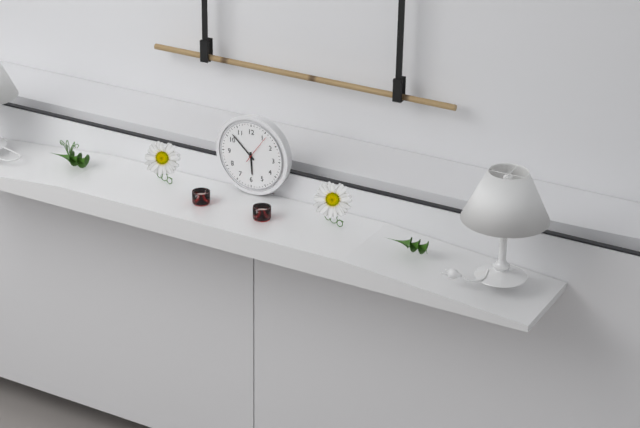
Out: 5:52
